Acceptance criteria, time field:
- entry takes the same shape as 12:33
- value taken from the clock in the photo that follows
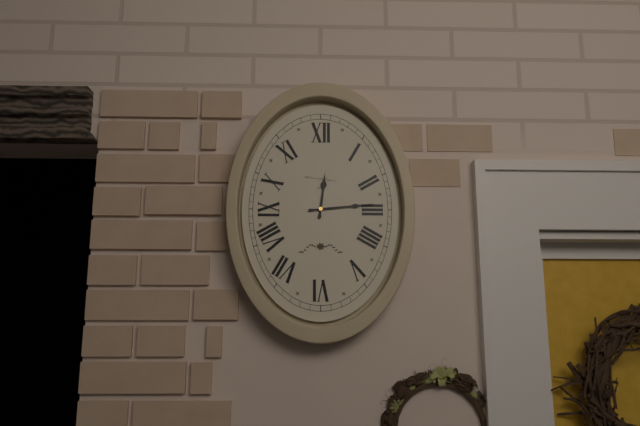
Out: 12:14
